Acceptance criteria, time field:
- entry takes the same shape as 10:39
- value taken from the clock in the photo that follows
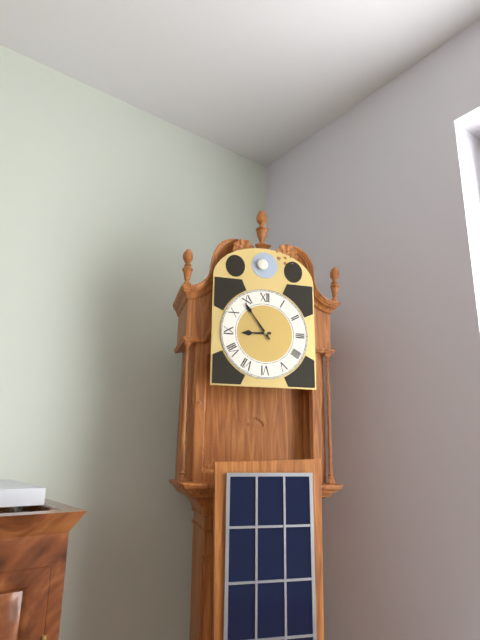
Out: 8:54
